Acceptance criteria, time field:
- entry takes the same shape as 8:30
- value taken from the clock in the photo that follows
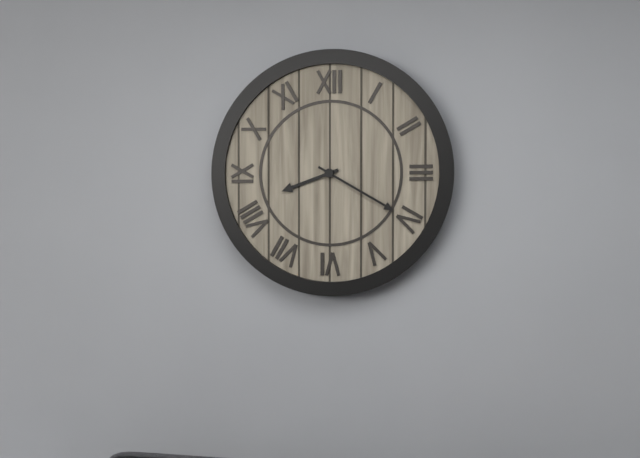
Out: 8:20
